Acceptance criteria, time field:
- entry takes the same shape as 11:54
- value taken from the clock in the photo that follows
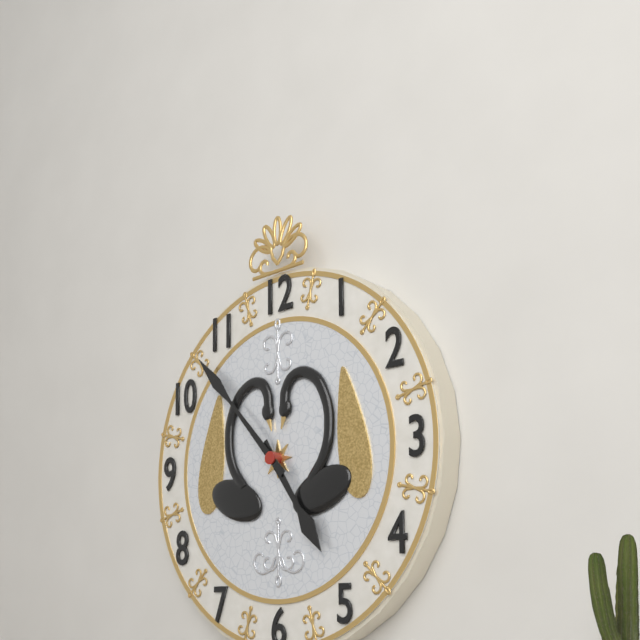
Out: 4:53
